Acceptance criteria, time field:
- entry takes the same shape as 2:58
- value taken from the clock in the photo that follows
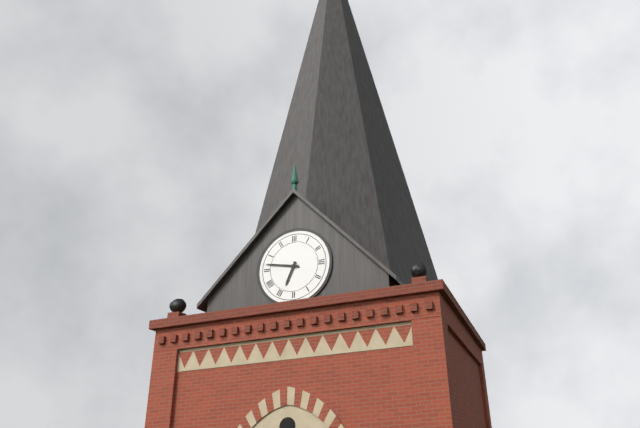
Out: 6:47
